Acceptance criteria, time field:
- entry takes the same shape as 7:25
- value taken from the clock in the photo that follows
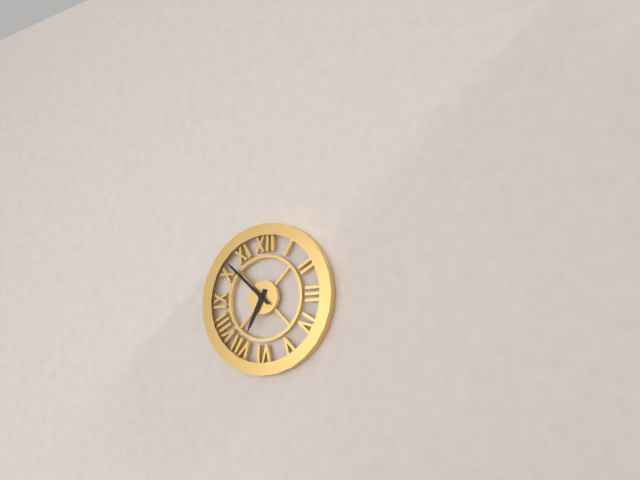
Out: 6:52
